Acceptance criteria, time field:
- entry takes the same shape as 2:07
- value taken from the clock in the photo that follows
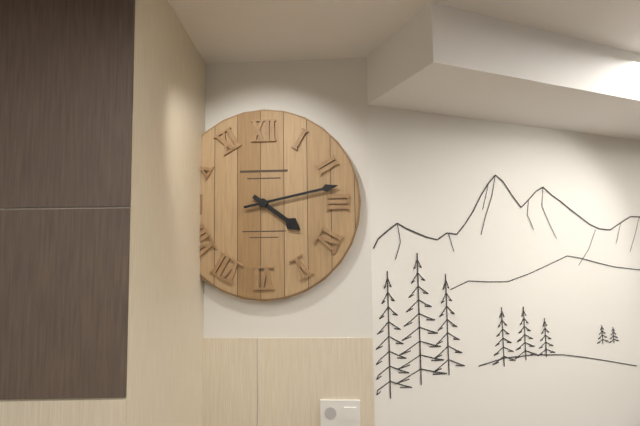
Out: 4:13
